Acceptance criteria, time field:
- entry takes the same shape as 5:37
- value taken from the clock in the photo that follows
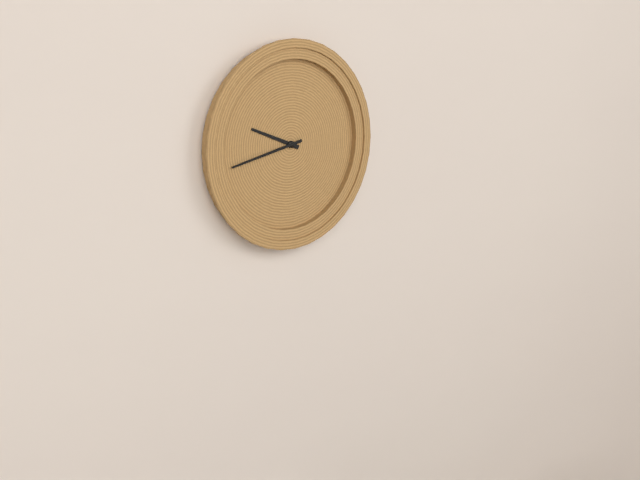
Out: 9:43
